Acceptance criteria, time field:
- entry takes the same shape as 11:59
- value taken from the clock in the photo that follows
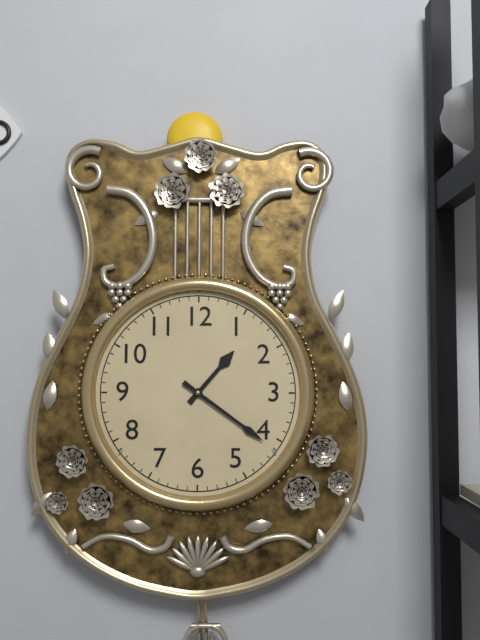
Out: 1:21
